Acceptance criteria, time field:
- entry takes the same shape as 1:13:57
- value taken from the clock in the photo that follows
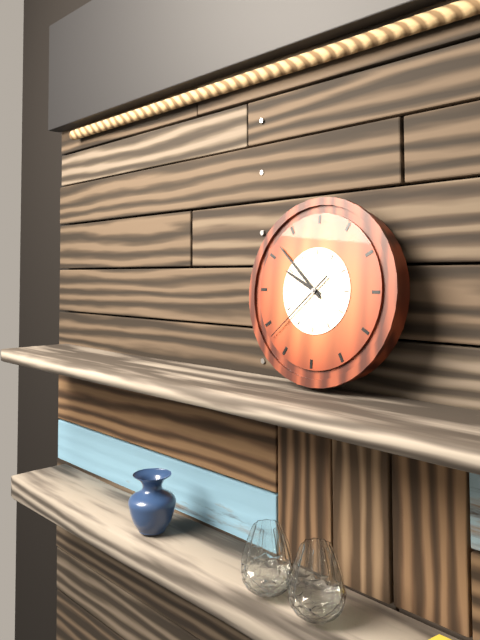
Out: 9:52:38
